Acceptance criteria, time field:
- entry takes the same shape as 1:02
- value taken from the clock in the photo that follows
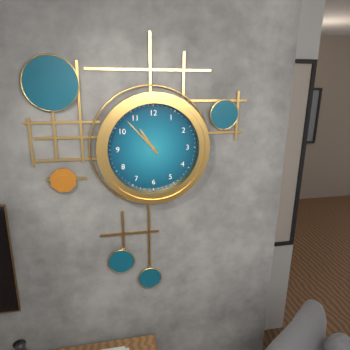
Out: 10:53
